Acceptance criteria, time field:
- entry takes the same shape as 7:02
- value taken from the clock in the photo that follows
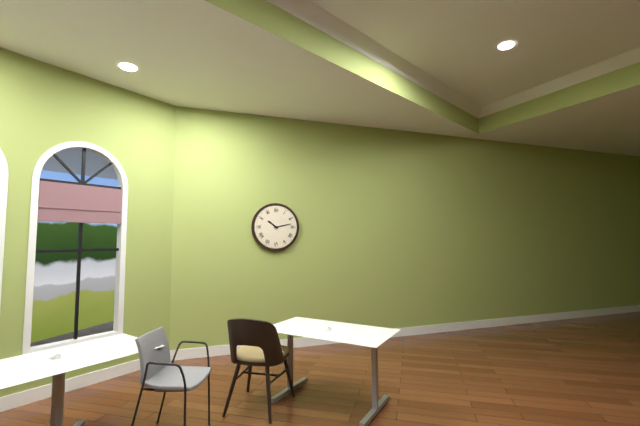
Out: 10:13
